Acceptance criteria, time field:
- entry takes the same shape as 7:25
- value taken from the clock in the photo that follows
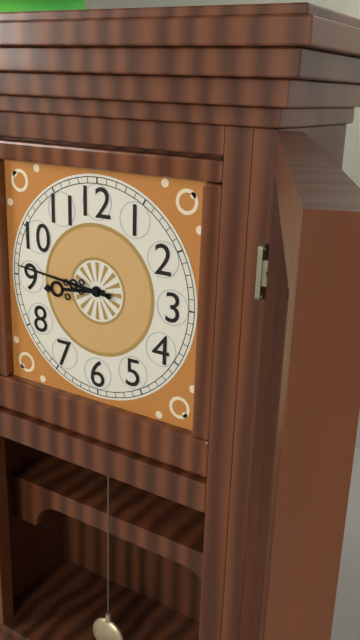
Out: 8:46
